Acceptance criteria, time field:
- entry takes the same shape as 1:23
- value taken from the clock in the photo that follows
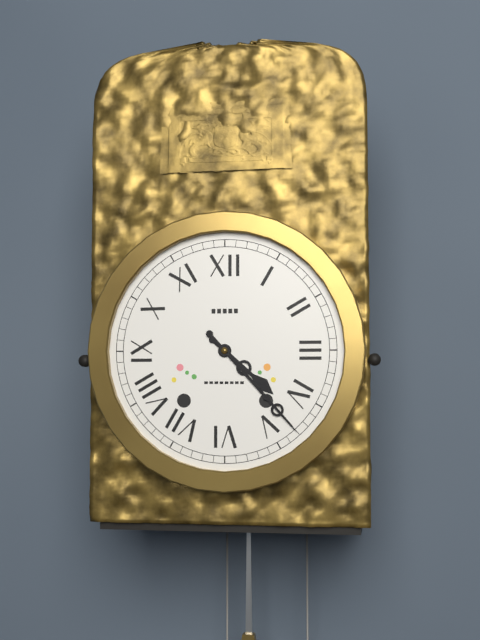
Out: 4:23
